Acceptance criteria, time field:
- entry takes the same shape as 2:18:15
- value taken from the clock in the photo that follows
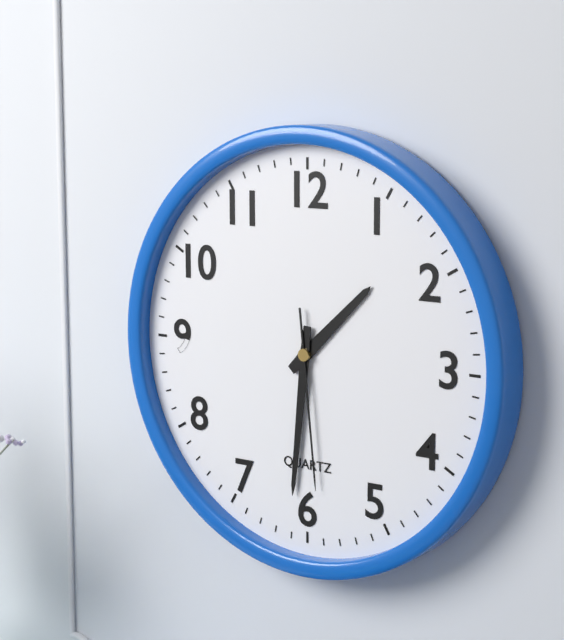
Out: 1:31:29
